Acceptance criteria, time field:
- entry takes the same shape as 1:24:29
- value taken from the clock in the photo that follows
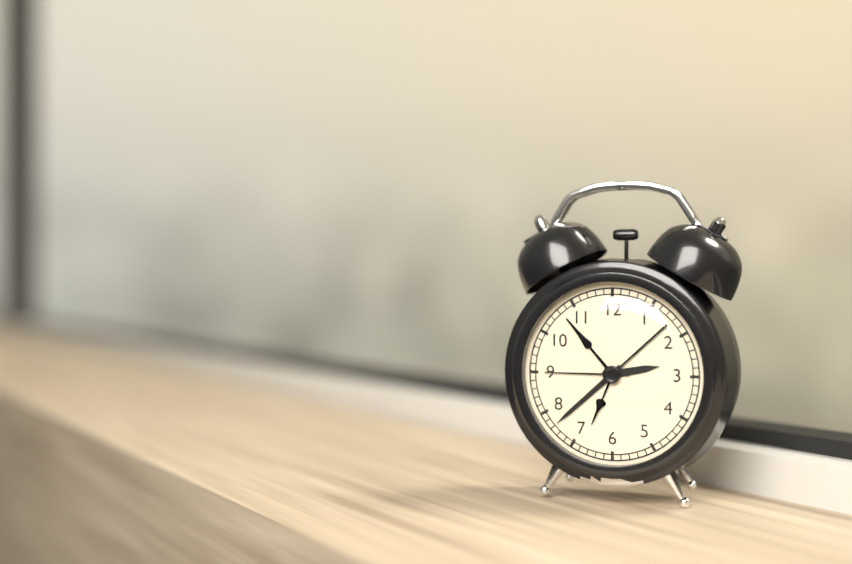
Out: 2:38:45
